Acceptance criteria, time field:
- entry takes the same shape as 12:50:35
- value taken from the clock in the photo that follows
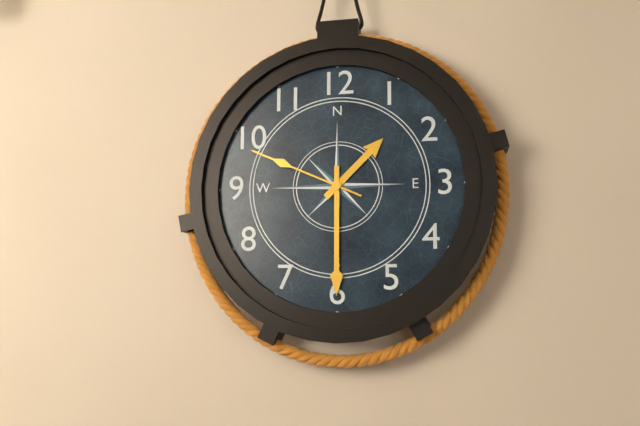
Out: 1:30:49
